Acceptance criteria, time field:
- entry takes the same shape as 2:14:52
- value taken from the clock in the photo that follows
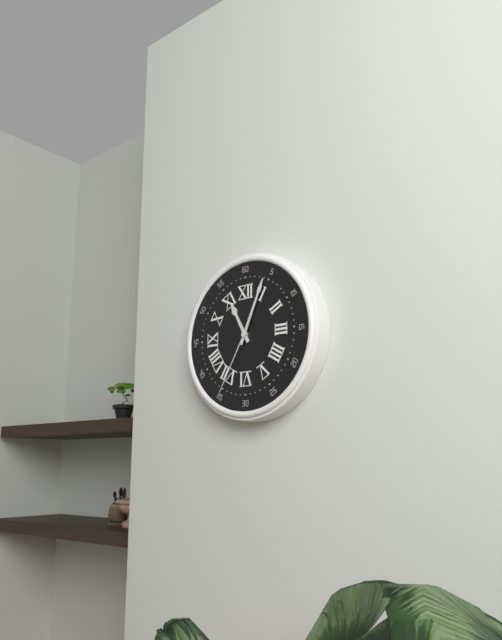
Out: 11:04:35
